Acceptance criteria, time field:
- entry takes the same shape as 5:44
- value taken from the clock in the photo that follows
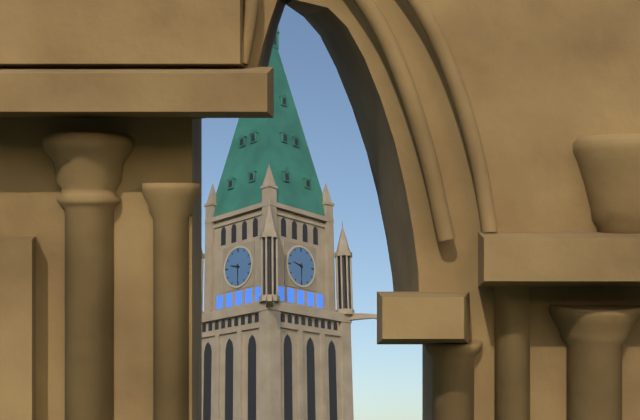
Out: 9:30
